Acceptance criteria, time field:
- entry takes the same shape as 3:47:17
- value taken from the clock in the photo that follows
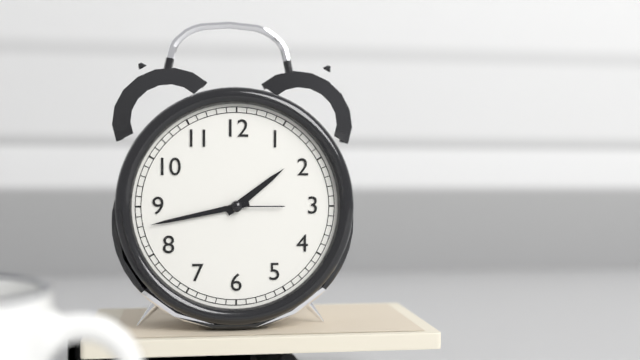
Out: 1:43:15
